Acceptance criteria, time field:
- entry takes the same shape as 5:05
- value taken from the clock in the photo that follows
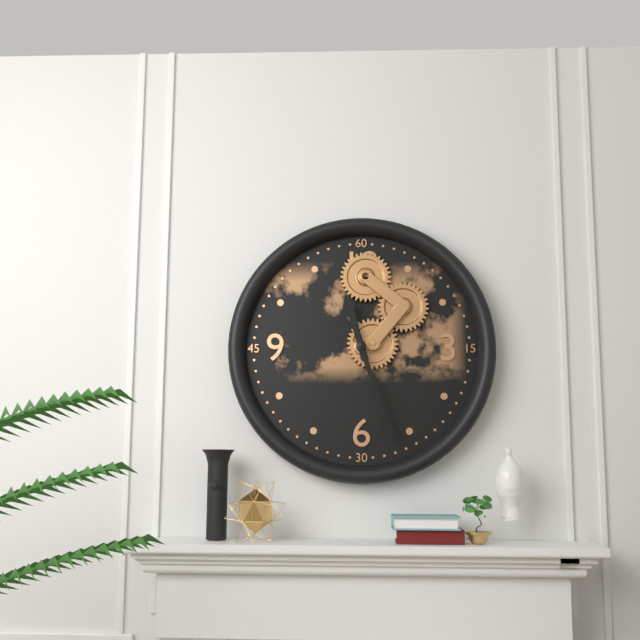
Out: 11:27
